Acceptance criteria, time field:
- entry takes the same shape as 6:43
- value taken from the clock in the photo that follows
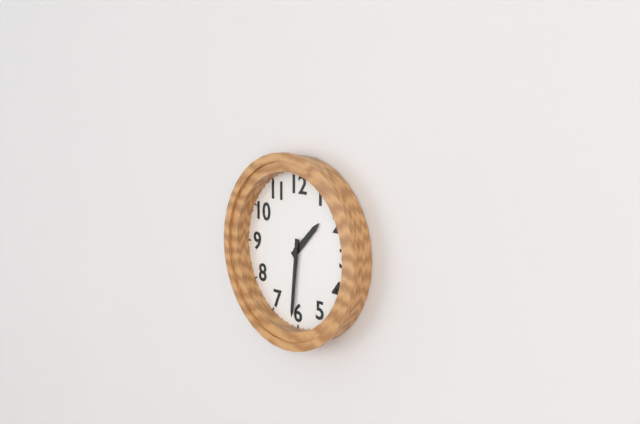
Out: 1:31
